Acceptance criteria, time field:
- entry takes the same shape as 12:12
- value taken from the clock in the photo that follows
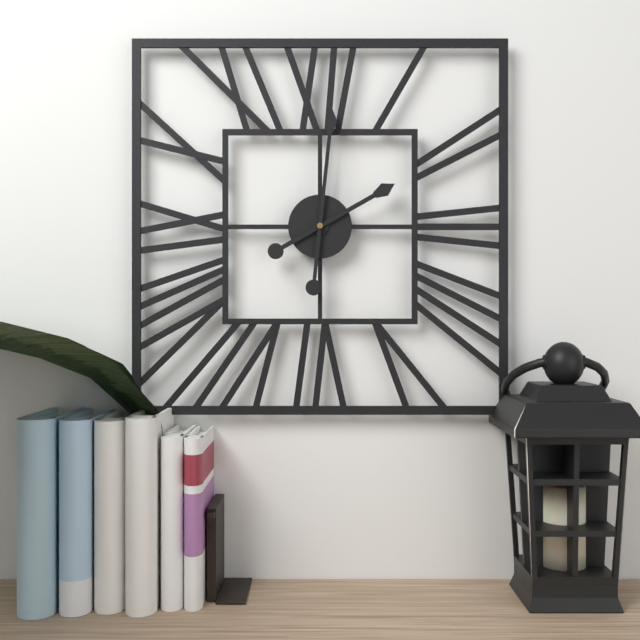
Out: 2:01
